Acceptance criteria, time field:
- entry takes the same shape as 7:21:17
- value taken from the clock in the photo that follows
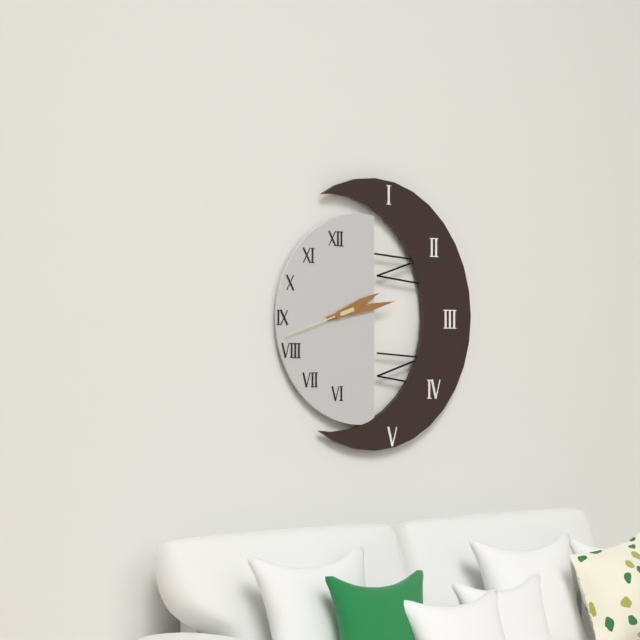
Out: 2:13:42
